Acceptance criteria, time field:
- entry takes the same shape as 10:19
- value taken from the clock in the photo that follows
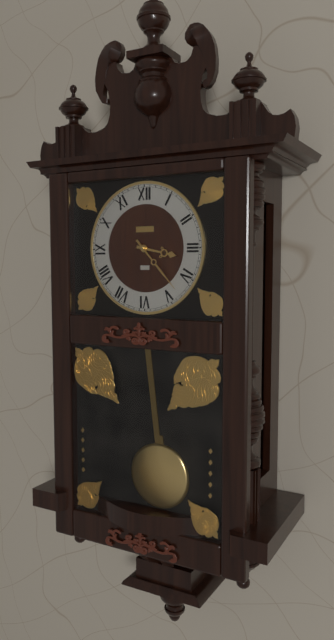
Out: 3:23
